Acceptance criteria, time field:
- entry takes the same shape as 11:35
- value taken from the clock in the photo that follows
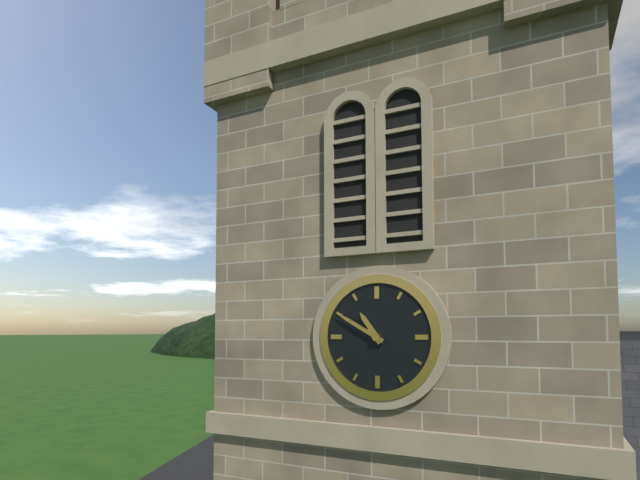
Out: 10:50
